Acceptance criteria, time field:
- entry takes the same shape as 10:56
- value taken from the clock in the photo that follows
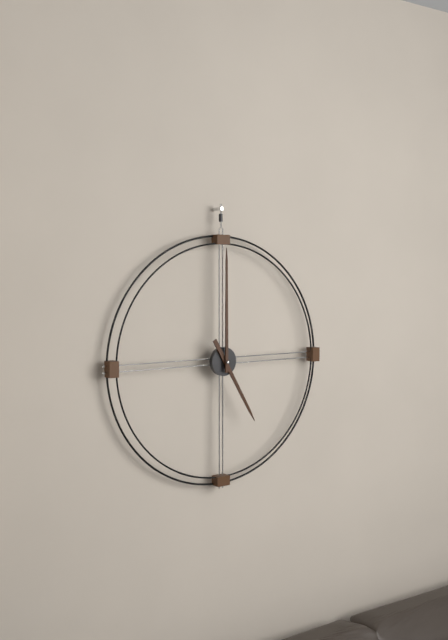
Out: 5:00
